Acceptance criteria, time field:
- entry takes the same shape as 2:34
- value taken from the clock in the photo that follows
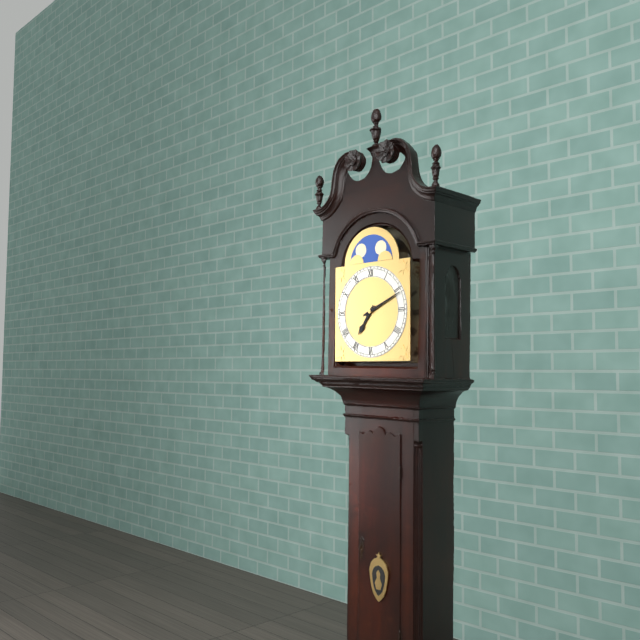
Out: 7:11
